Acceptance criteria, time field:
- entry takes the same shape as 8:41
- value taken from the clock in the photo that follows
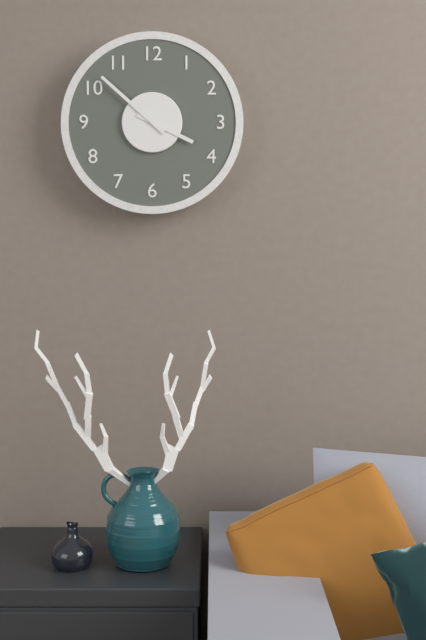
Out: 3:52
